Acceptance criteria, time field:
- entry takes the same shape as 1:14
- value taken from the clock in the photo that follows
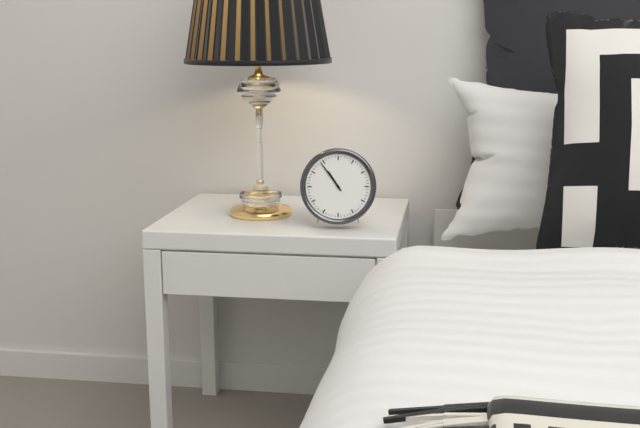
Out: 10:54
